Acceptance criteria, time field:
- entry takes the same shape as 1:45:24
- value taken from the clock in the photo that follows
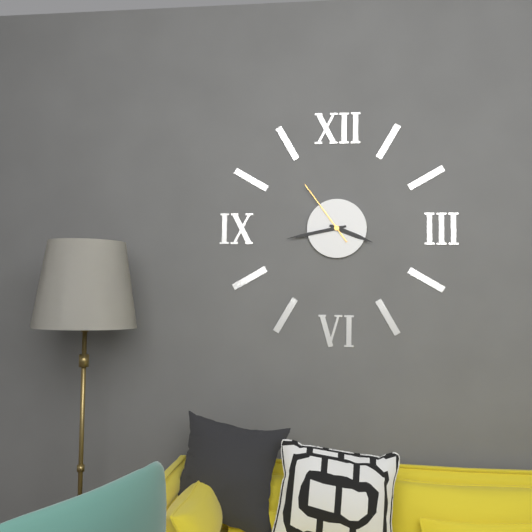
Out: 3:43:54
